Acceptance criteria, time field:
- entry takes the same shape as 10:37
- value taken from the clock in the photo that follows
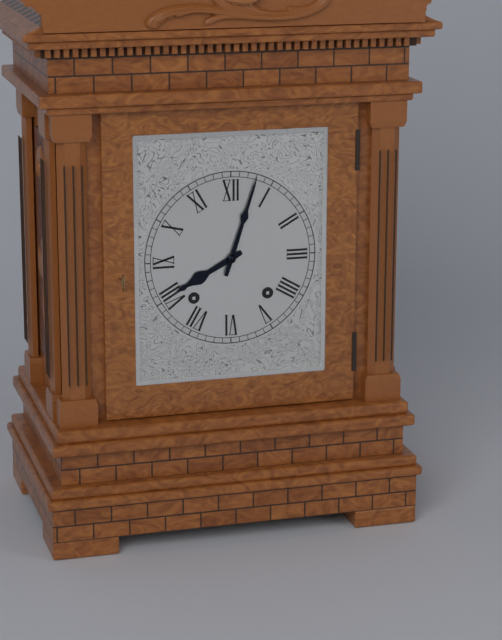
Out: 8:03
